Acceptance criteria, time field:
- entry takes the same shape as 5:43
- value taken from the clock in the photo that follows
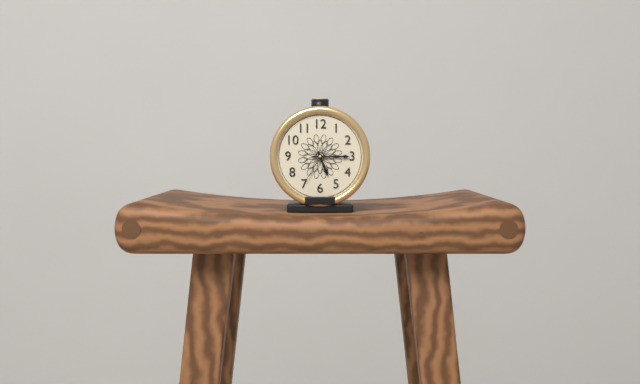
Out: 5:15
